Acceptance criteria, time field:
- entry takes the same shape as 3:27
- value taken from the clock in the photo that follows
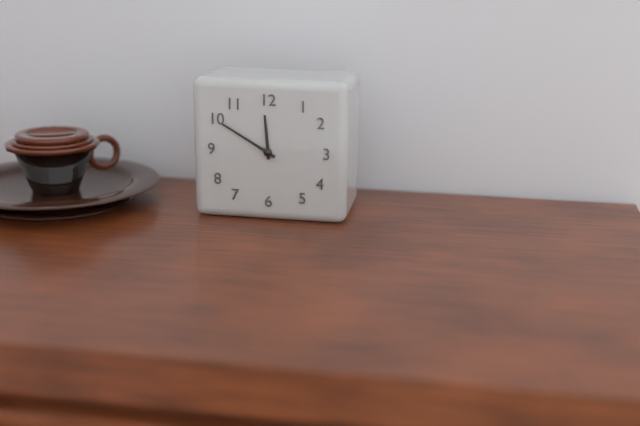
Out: 11:50
